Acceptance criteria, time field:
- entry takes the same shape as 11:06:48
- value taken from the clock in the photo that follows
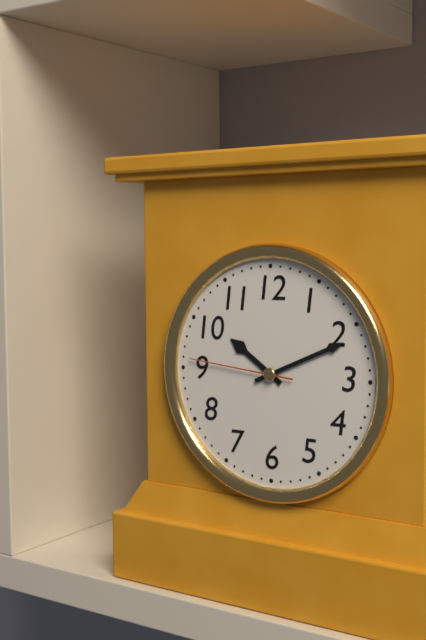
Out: 10:11:46
